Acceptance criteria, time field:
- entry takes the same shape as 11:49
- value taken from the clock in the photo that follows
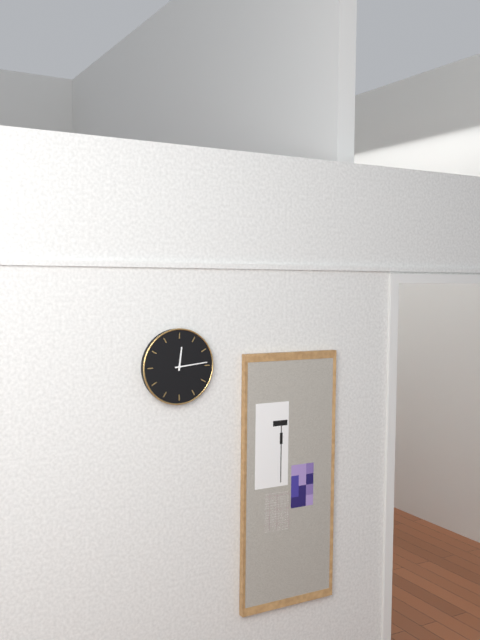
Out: 12:14
